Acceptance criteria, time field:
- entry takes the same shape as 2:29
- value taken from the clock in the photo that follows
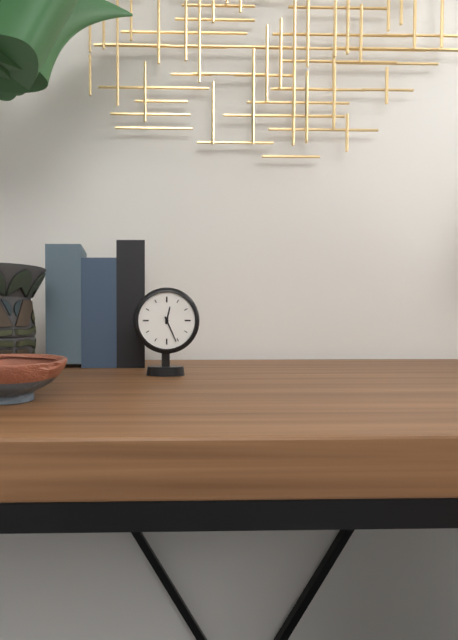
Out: 12:26
